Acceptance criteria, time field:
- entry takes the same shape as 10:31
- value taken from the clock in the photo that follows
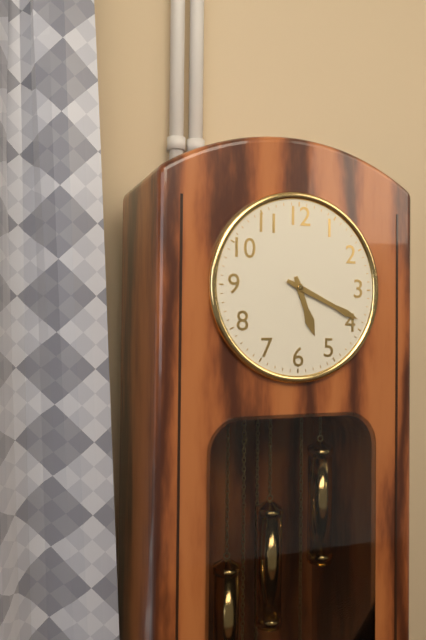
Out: 5:19
